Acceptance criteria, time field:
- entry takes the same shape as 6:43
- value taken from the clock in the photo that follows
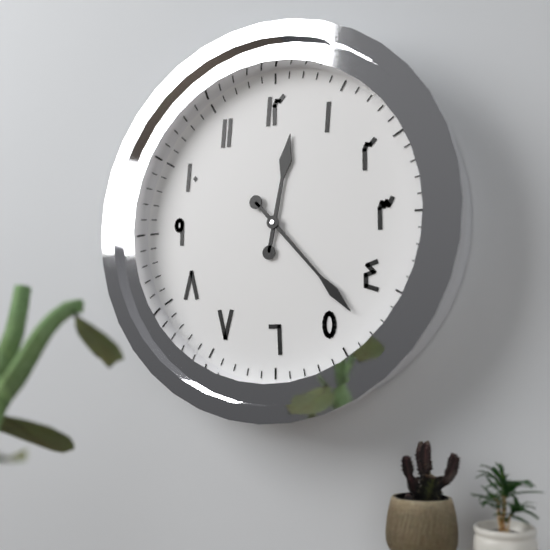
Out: 12:23
